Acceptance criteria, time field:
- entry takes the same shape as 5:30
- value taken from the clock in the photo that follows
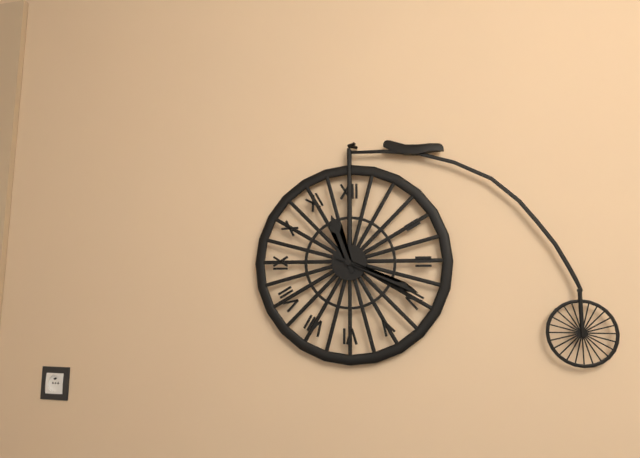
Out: 11:19
